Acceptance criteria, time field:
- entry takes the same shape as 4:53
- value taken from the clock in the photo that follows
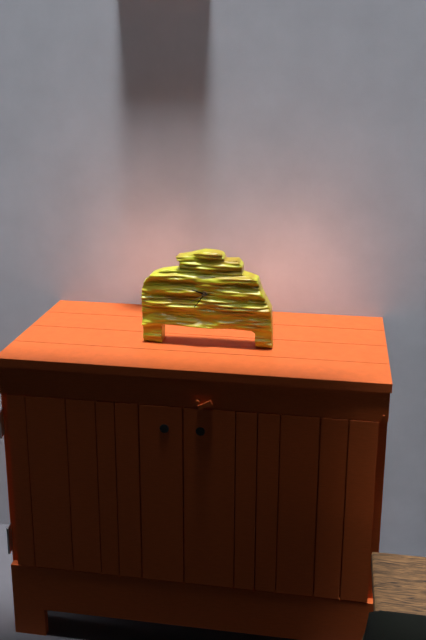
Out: 9:36
